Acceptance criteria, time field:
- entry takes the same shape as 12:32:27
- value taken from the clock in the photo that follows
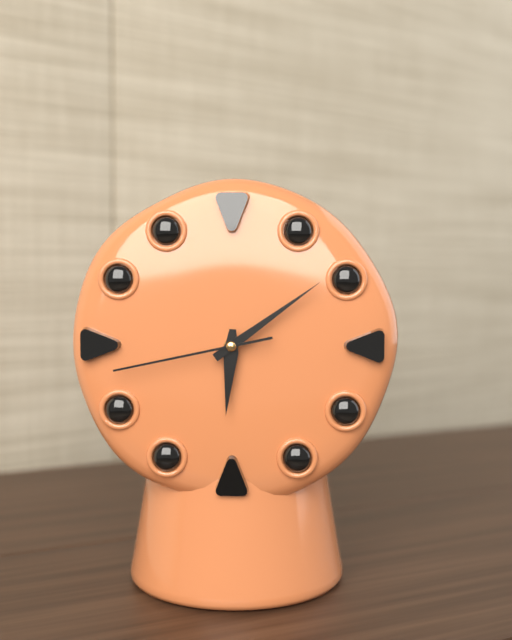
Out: 6:09:43
